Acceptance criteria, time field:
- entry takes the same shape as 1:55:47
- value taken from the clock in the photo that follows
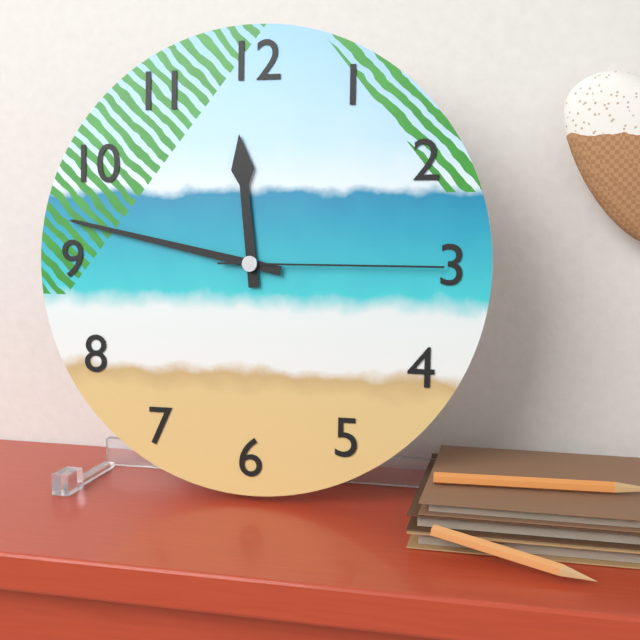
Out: 11:47:15
